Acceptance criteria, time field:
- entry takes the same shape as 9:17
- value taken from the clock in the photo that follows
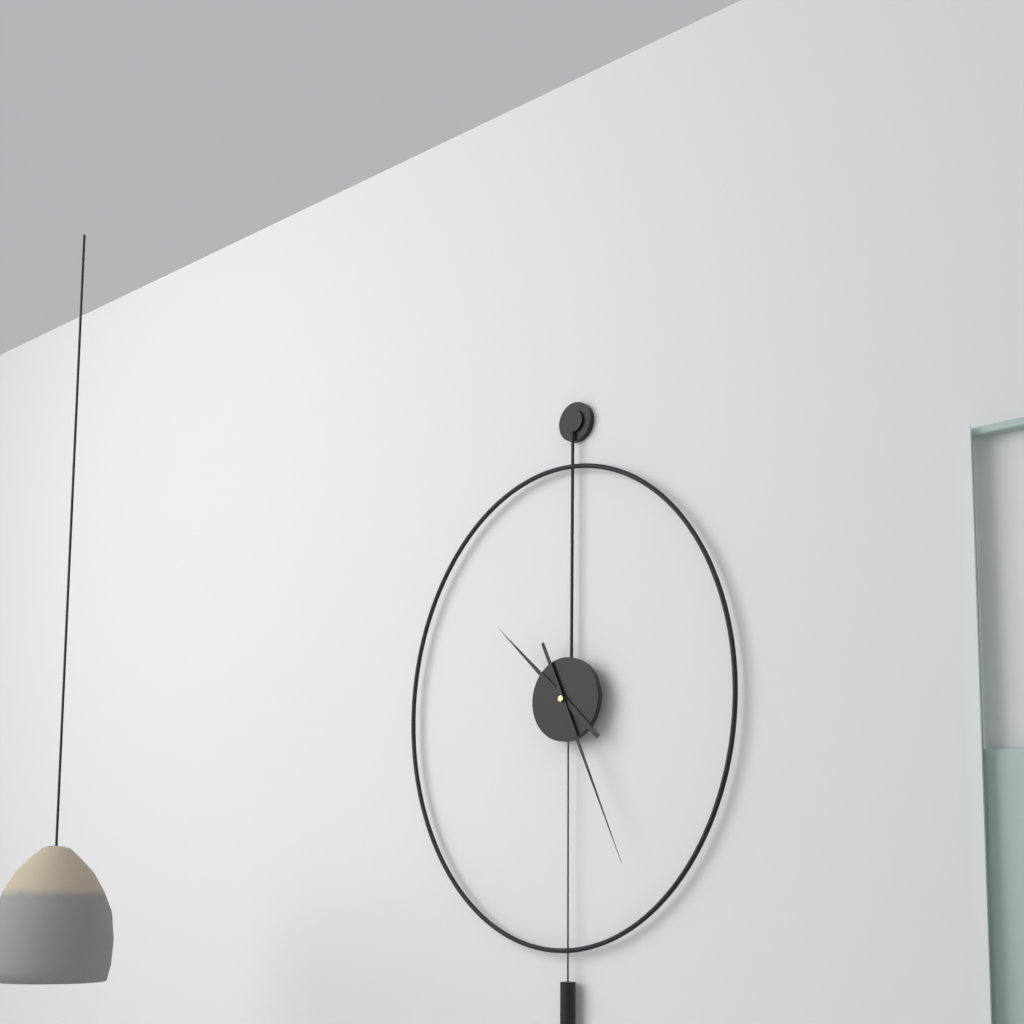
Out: 10:26
